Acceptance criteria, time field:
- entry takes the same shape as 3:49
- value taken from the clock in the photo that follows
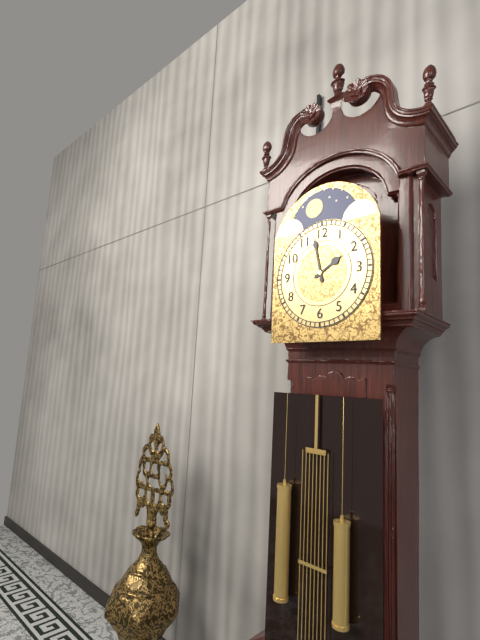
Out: 1:58
